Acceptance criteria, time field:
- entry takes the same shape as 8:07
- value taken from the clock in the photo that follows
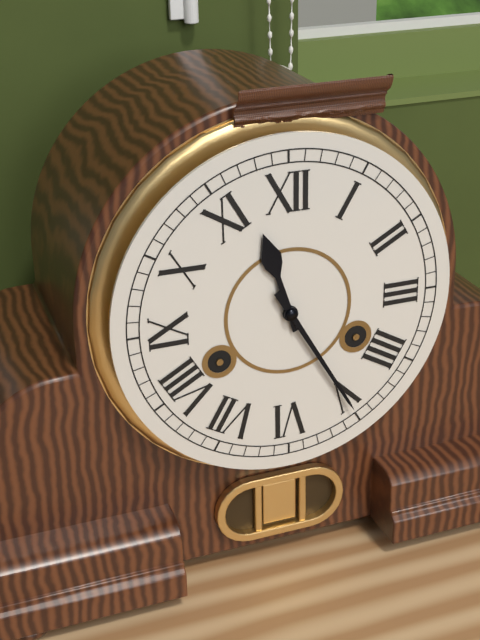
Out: 11:25
